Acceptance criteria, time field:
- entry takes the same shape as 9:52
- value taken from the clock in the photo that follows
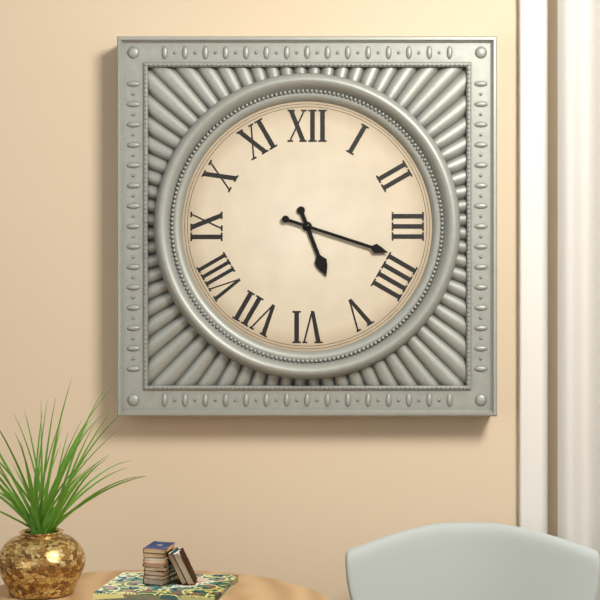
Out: 5:18
